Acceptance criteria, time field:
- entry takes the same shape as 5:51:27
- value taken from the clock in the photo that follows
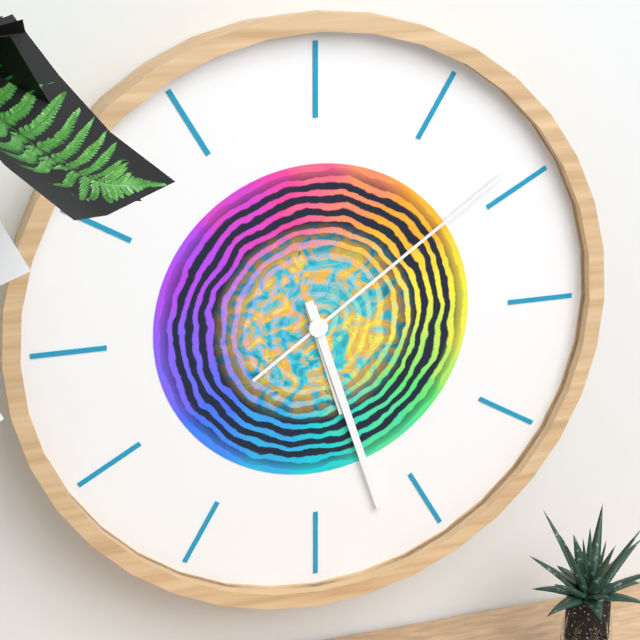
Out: 5:27:09
